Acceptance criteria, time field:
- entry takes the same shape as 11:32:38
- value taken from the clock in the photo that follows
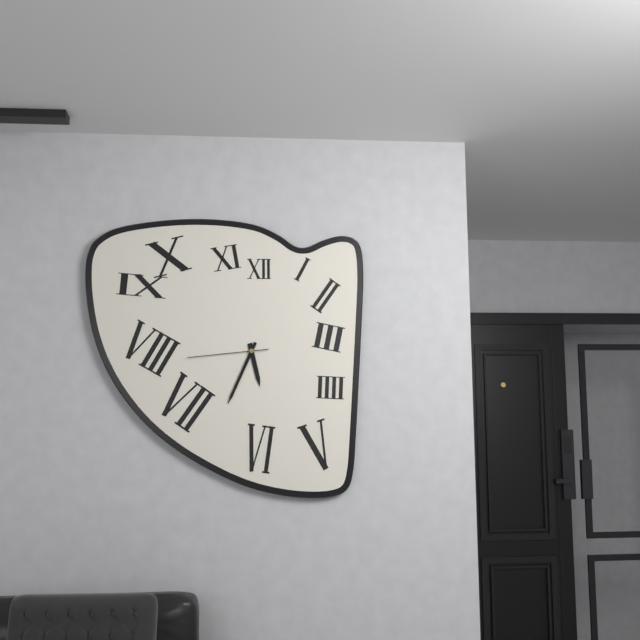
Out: 5:34:44
